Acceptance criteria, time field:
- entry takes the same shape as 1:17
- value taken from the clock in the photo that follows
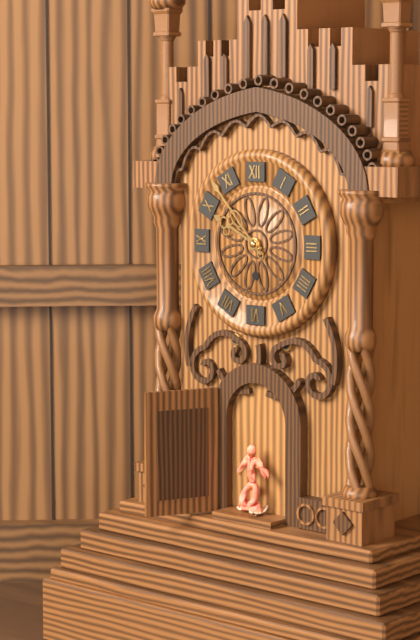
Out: 9:53
